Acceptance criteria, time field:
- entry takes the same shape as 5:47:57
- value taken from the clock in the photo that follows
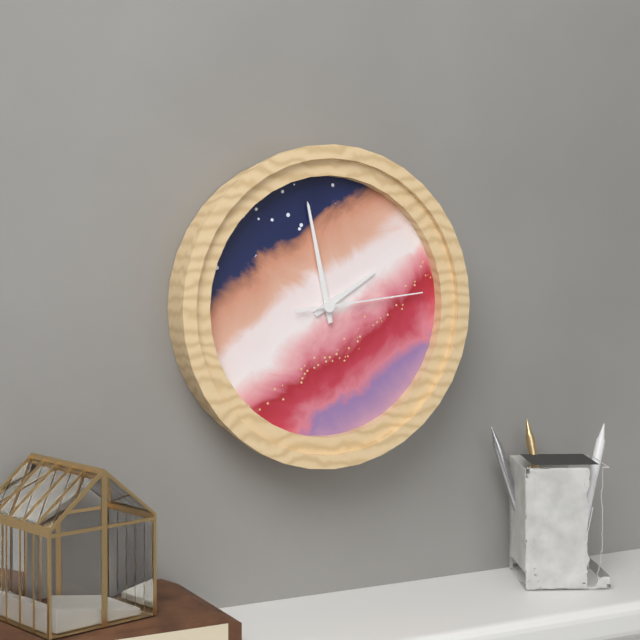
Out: 1:58:14
